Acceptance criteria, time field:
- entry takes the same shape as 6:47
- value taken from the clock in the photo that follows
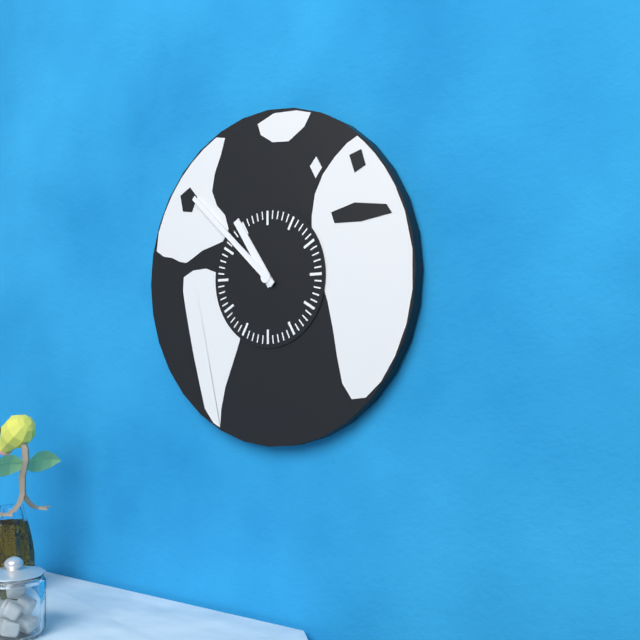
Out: 10:52
